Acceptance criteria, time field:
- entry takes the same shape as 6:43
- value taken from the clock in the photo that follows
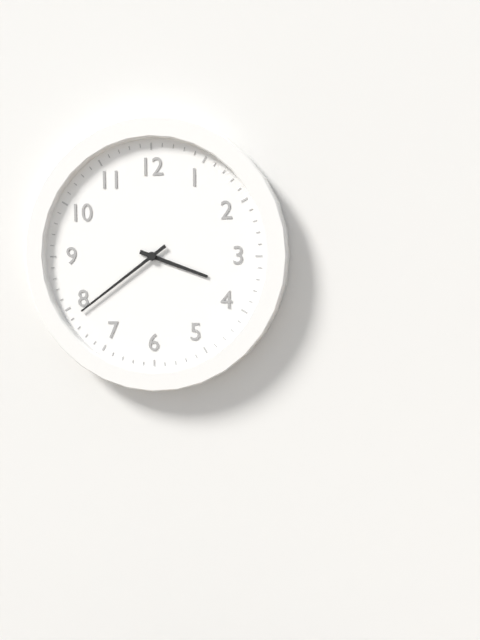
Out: 3:39
